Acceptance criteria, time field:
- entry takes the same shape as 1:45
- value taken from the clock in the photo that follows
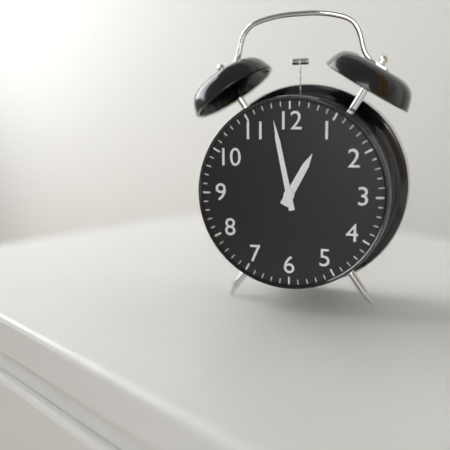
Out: 12:58
